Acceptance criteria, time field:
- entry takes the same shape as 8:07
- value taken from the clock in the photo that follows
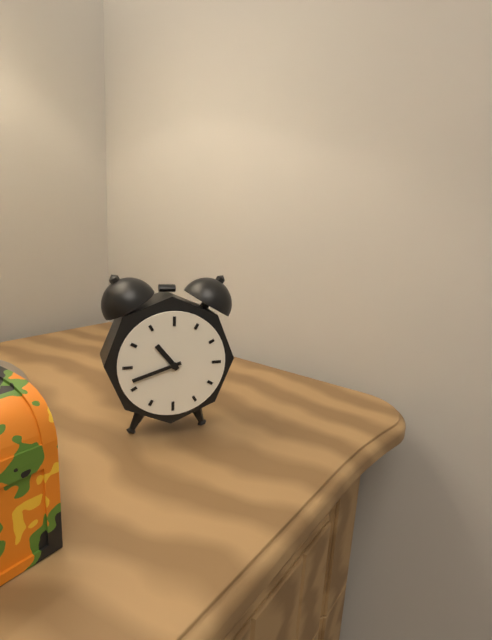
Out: 10:42
